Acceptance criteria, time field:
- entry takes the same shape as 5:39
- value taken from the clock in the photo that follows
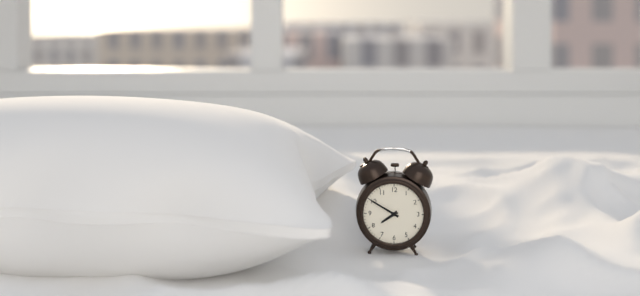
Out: 7:50
